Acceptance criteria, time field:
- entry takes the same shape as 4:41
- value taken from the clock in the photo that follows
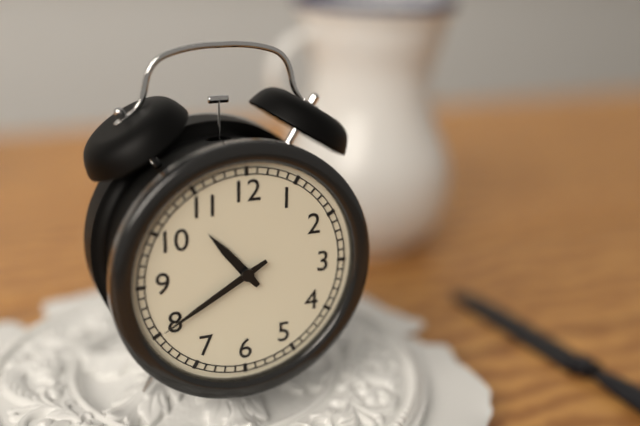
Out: 10:40
